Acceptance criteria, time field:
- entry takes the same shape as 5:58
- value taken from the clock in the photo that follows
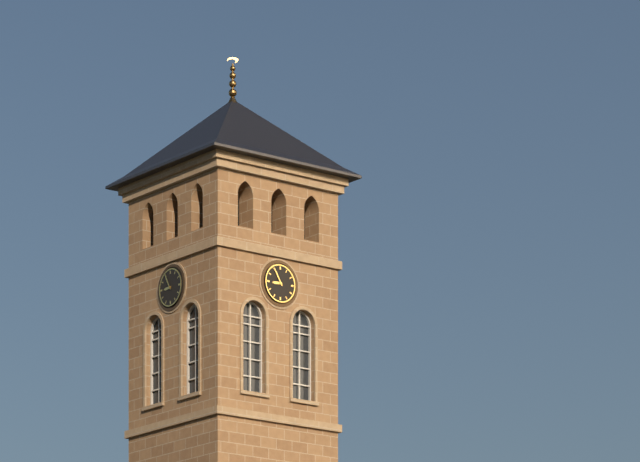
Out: 8:55
